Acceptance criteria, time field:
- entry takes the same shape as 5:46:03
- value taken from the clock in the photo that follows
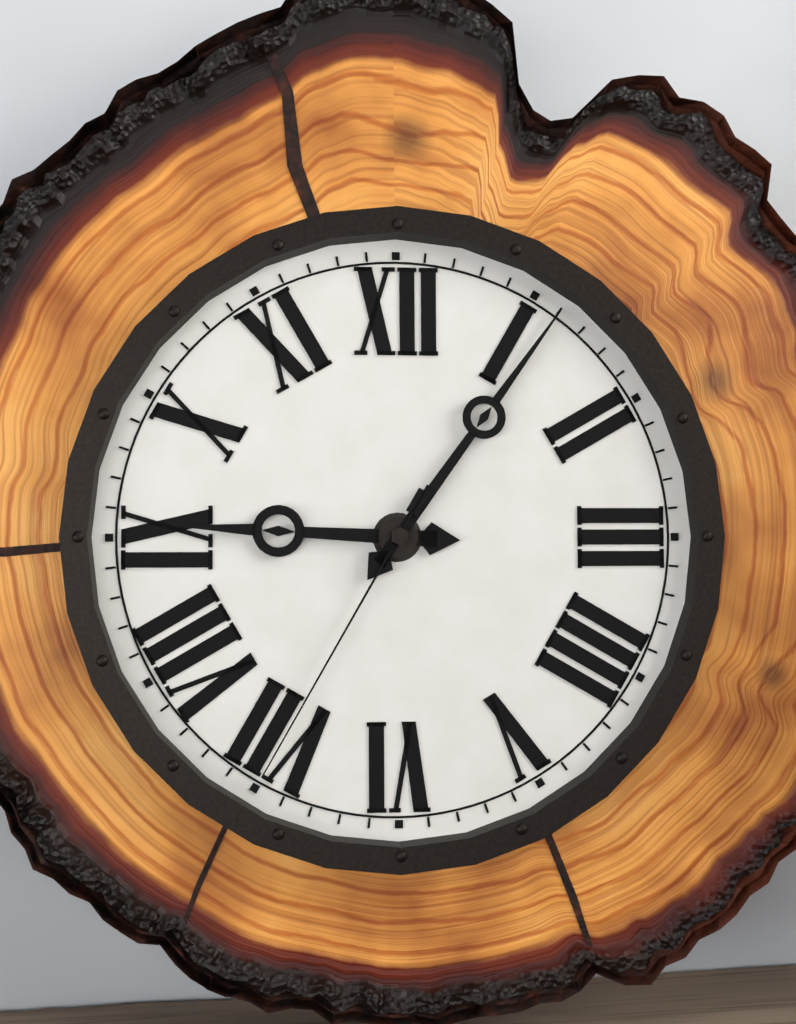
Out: 9:06:35
